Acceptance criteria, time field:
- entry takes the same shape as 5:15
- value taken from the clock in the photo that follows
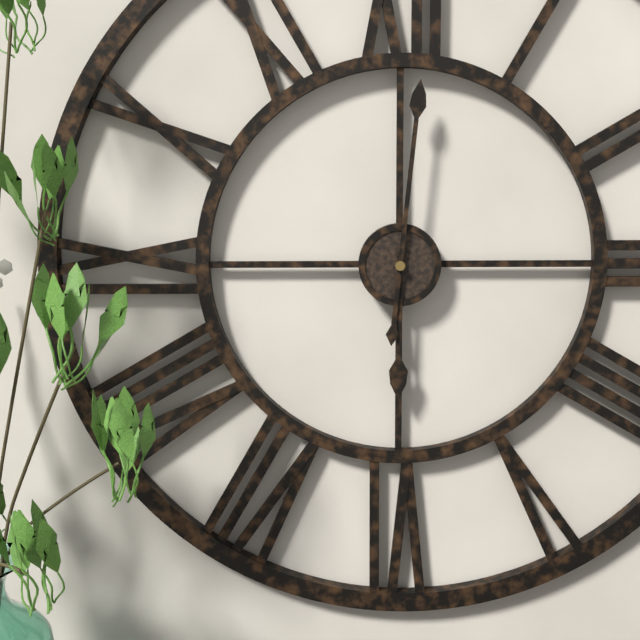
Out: 6:01
